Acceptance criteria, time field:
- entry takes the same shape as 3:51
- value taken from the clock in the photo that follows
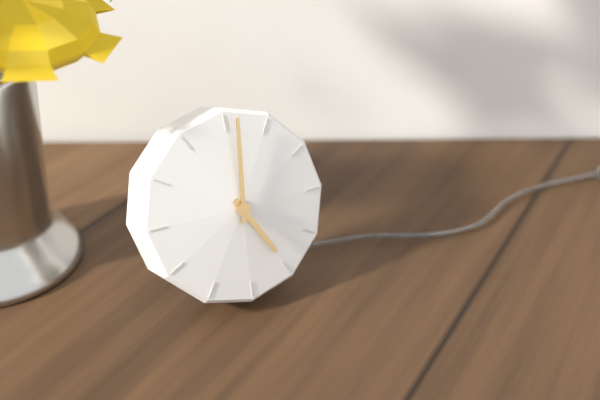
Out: 5:01
